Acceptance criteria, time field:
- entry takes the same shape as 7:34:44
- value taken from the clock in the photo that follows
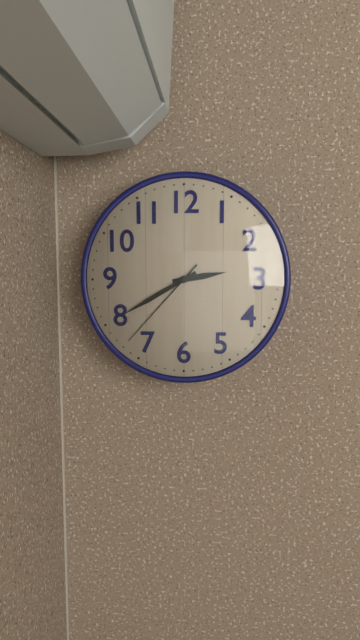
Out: 2:40:37
